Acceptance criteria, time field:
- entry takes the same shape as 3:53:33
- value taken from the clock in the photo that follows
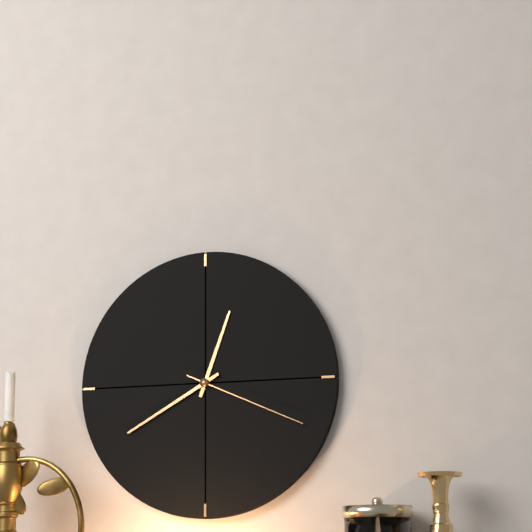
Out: 12:40:19
